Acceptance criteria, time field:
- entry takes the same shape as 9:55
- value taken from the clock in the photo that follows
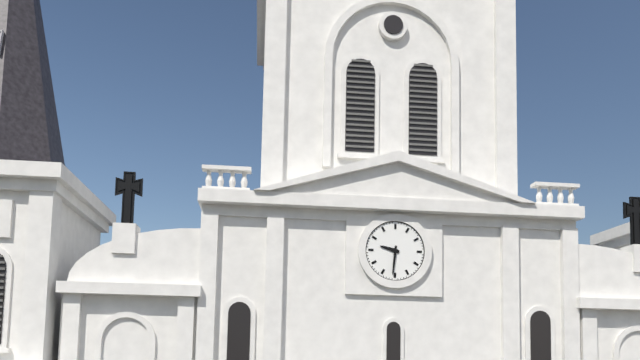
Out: 9:31
